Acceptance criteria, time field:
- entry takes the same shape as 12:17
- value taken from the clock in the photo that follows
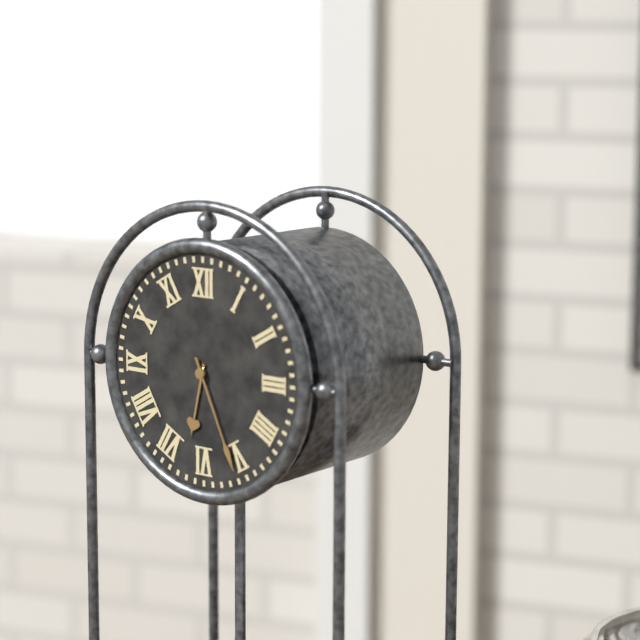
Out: 6:26
